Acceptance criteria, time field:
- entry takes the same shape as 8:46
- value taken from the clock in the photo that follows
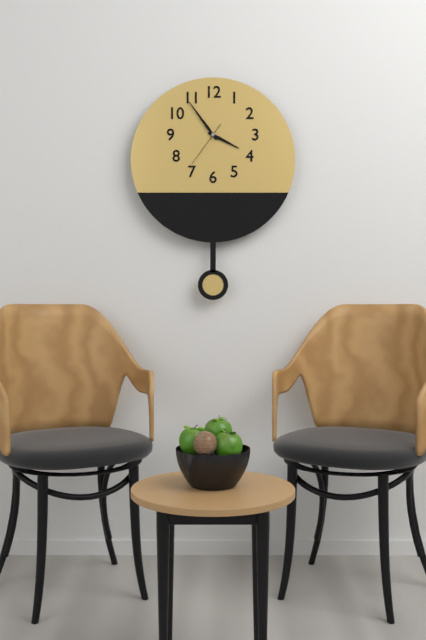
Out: 3:54
